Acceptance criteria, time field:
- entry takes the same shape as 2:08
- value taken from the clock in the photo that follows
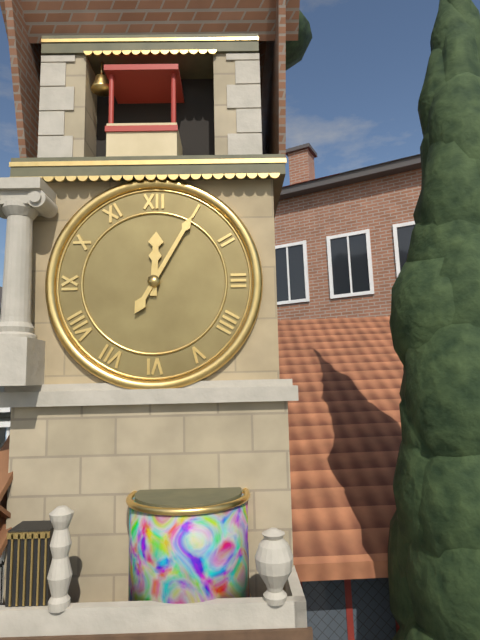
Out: 12:05
